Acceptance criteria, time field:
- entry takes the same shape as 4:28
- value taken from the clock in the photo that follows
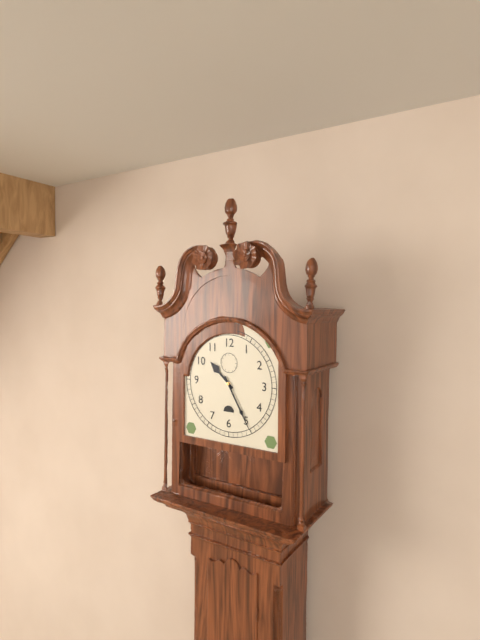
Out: 10:25
